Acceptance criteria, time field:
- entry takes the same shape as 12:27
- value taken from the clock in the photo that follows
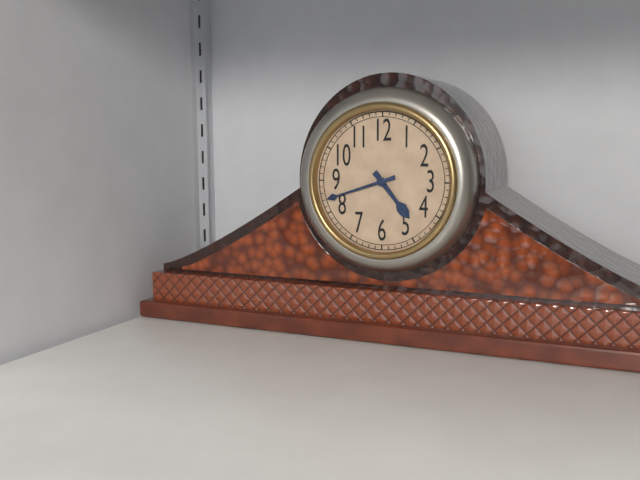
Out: 4:42
